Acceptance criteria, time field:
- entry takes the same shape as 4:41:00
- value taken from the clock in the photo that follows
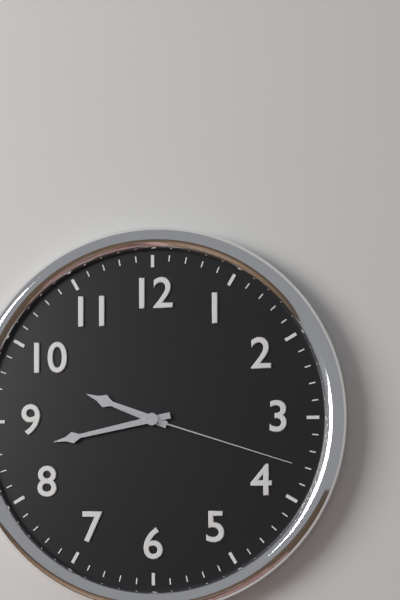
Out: 9:43:18
